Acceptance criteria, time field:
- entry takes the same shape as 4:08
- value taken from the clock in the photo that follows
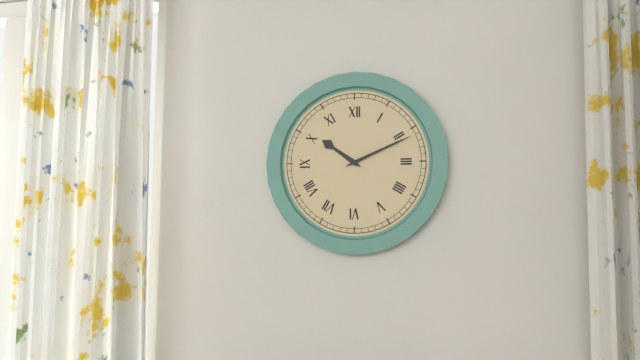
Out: 10:11
